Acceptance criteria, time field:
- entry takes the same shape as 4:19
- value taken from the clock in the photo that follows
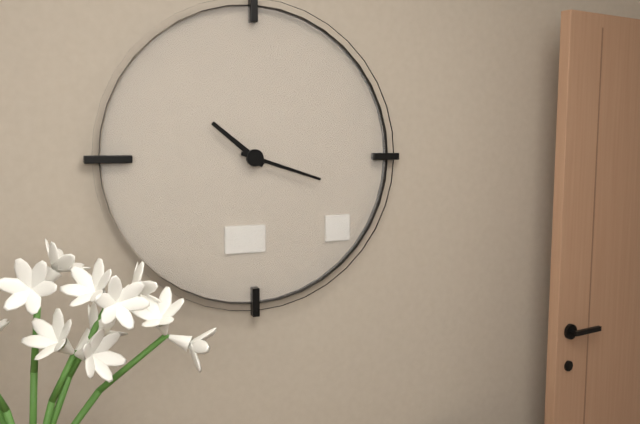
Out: 10:18
